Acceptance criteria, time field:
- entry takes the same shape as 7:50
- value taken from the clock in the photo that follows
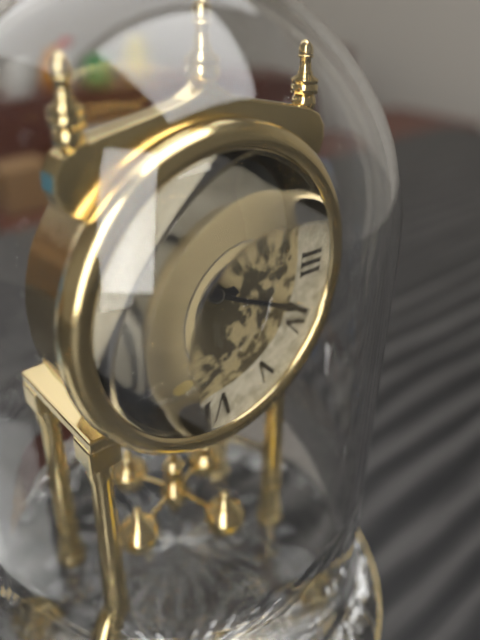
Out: 9:19
